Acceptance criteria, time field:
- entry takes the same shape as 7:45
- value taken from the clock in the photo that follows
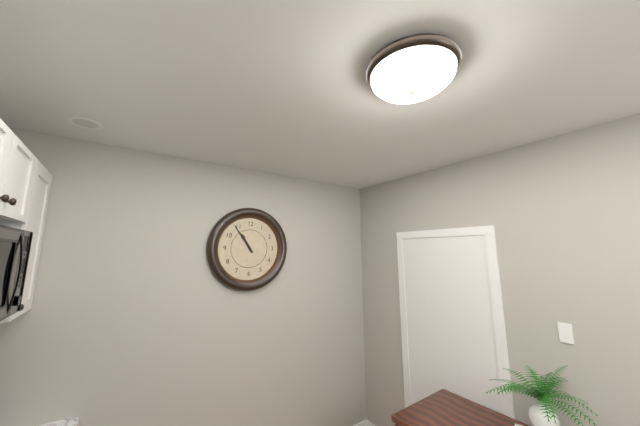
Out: 10:54
